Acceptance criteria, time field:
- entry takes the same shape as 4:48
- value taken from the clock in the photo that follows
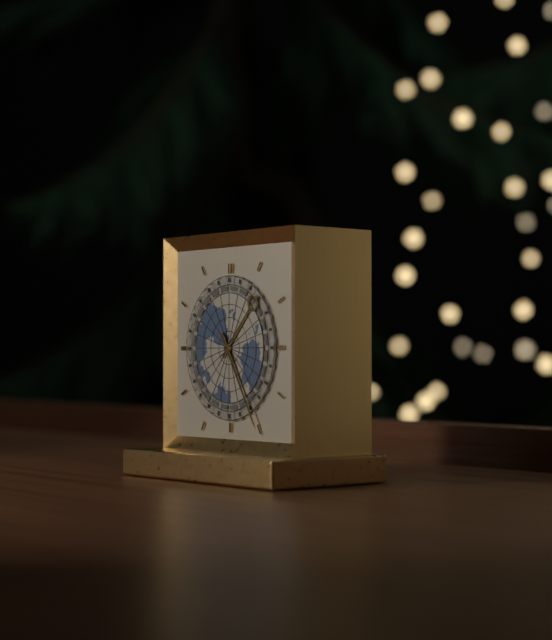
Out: 1:25
